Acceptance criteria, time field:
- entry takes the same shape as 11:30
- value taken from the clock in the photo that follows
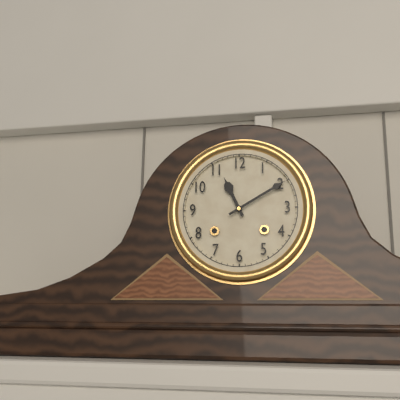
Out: 11:10
